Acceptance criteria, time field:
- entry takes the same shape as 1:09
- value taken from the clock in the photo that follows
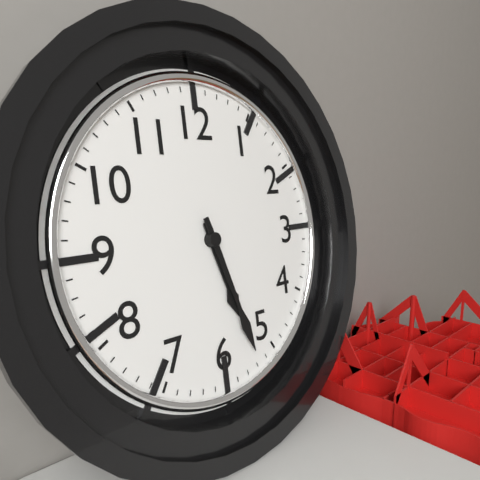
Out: 5:27
